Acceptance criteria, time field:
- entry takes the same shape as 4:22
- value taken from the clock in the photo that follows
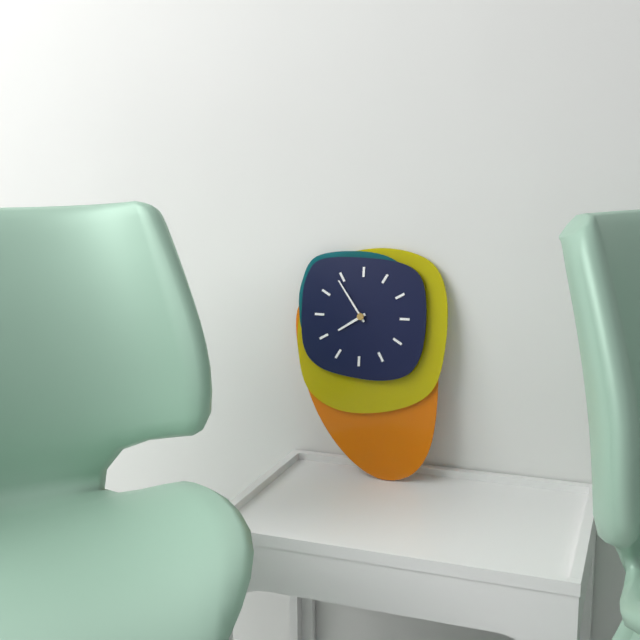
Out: 7:54
